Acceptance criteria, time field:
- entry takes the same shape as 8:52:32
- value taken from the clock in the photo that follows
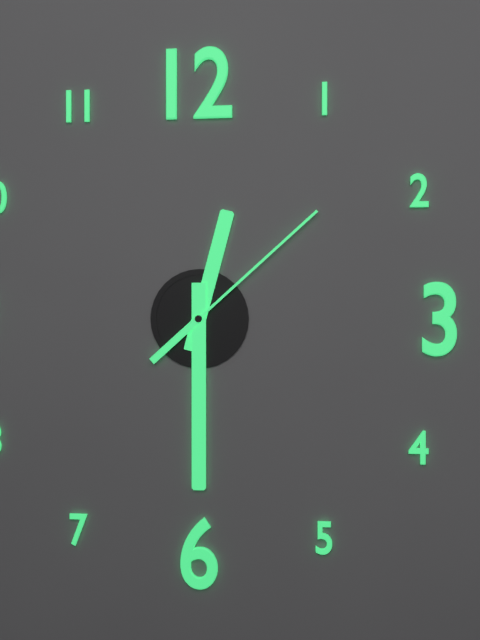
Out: 12:30:08
